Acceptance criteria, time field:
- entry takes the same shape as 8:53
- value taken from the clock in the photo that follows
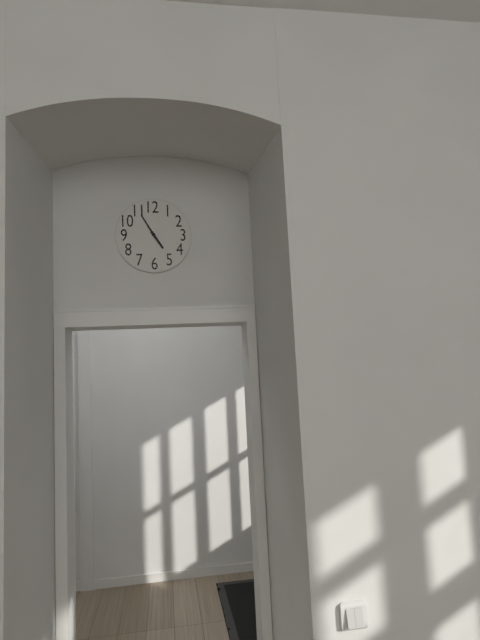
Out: 4:55
